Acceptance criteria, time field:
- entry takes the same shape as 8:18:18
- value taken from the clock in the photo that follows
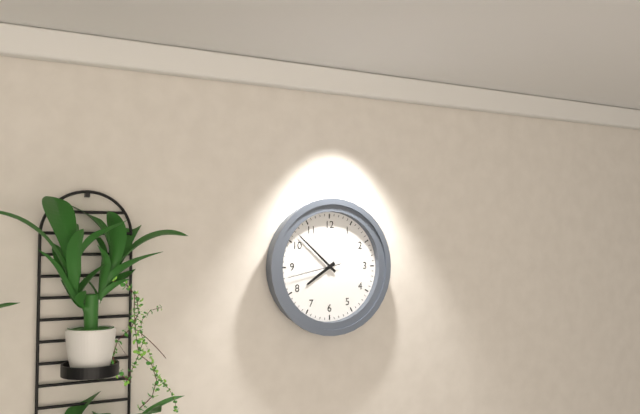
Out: 7:52:43
